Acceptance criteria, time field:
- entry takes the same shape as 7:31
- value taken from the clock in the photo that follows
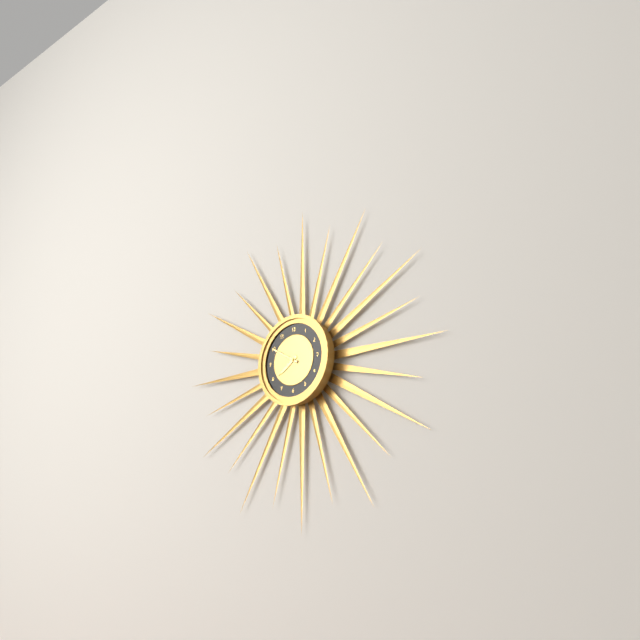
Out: 7:50
